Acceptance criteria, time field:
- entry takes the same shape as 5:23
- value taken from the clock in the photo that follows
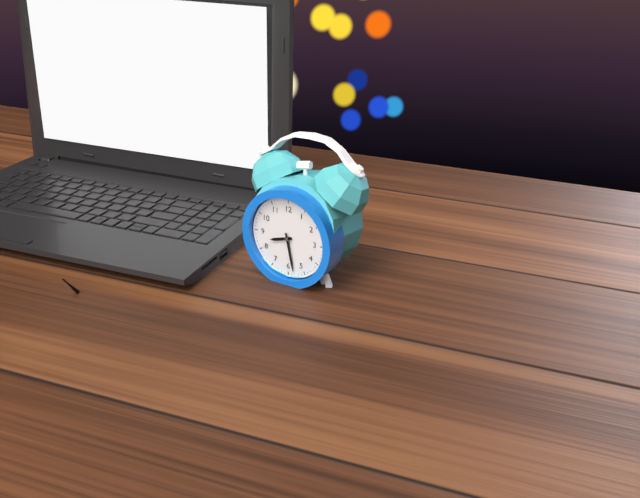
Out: 8:28
